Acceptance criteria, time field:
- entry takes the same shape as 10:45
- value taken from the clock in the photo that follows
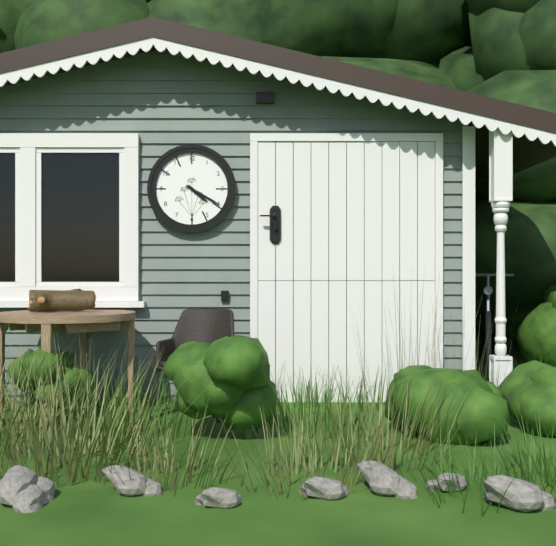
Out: 4:20
